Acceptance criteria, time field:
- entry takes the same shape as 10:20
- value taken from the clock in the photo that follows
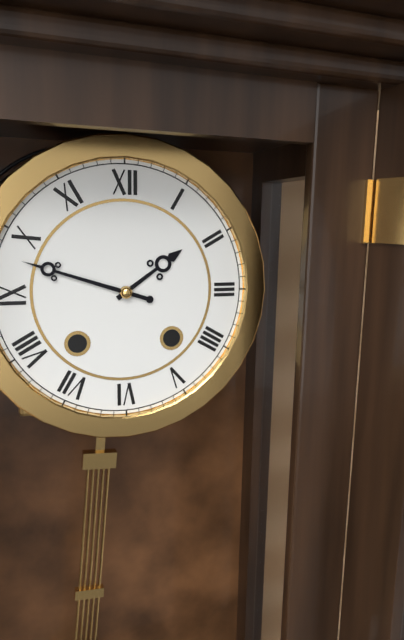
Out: 1:48
